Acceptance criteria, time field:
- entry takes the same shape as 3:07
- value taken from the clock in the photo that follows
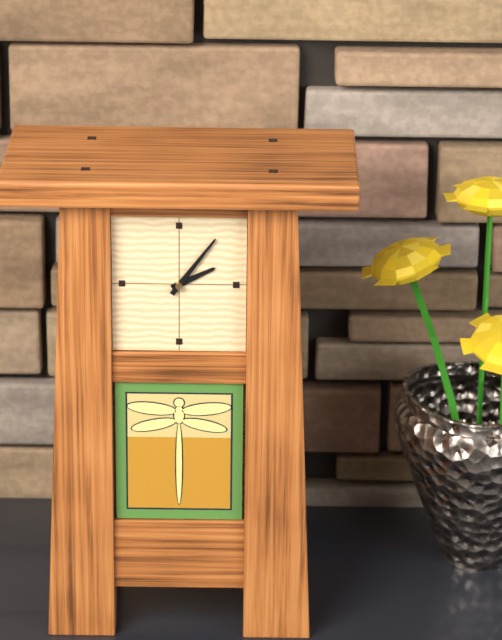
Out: 2:06
